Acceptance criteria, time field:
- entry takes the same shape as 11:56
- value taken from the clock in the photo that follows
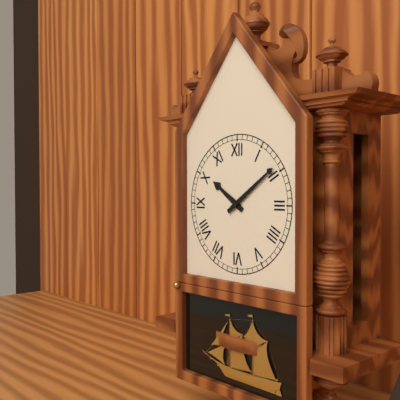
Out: 10:09
